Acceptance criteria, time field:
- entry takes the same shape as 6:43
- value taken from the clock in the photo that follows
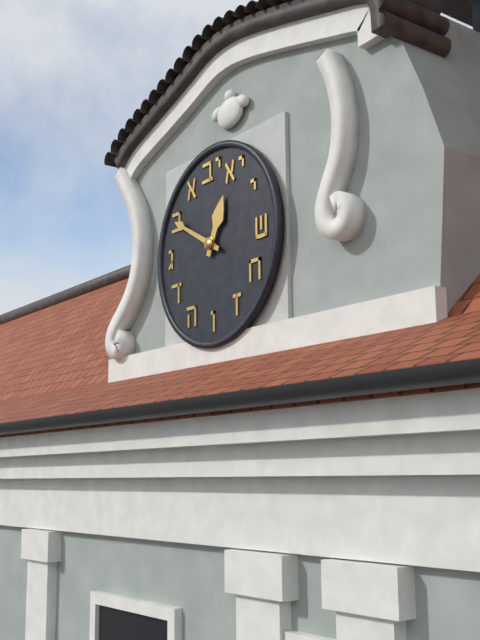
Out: 12:50
